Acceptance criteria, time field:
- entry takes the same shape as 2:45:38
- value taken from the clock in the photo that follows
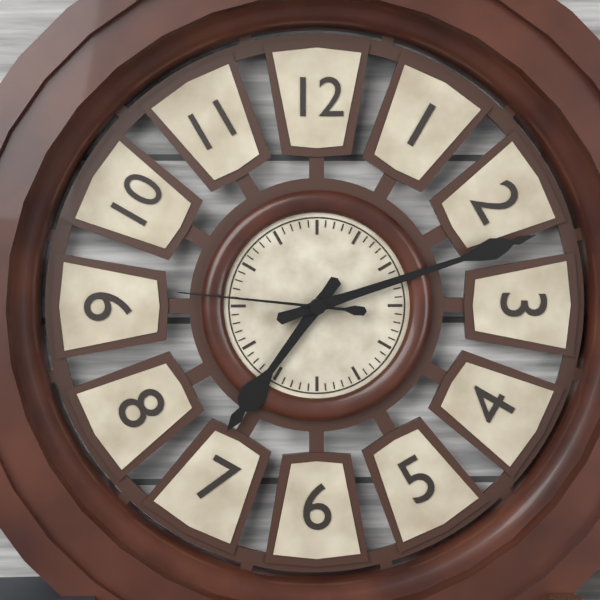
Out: 7:12:46
